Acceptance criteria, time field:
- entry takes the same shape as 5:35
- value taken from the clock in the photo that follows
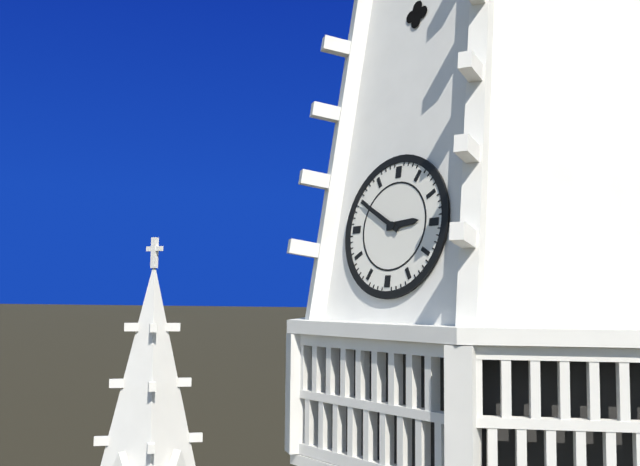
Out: 2:50
